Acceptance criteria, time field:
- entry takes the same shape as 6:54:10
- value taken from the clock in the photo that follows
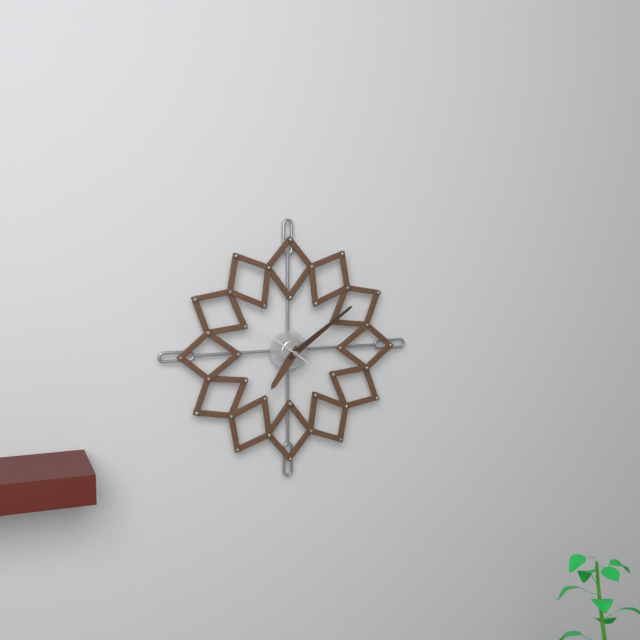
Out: 7:09:51
